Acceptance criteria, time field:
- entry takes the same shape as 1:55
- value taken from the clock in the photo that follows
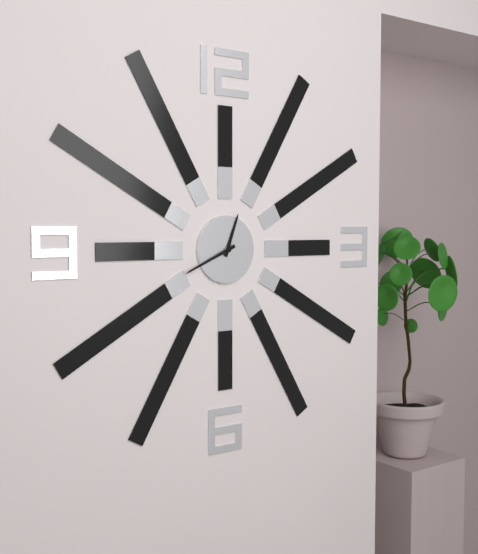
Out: 12:41
